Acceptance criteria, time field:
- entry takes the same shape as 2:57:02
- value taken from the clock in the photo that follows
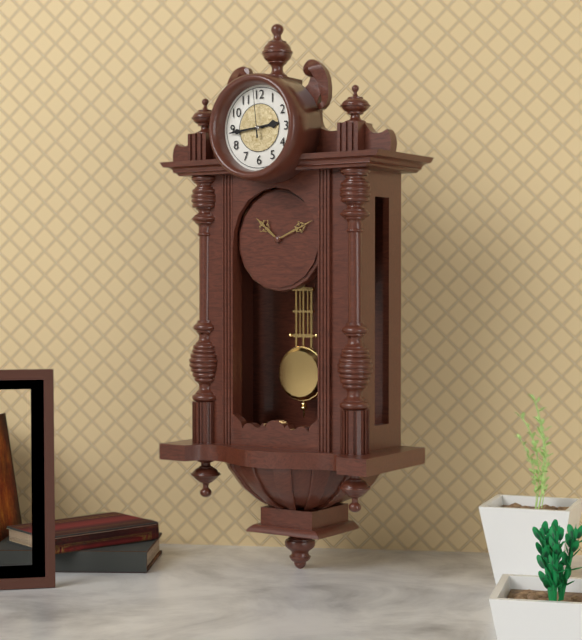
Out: 2:44:59
